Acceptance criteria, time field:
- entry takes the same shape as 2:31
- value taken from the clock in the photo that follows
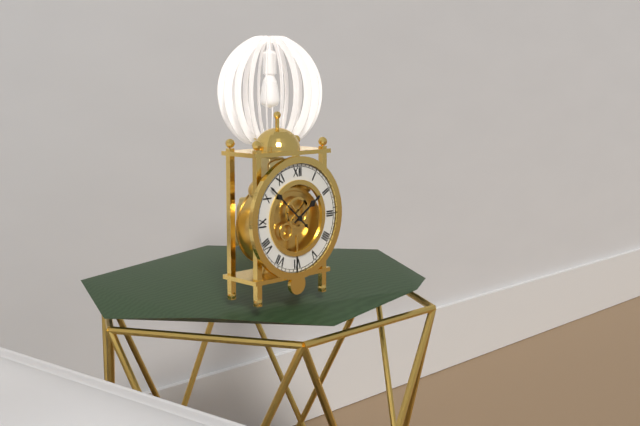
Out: 1:52
